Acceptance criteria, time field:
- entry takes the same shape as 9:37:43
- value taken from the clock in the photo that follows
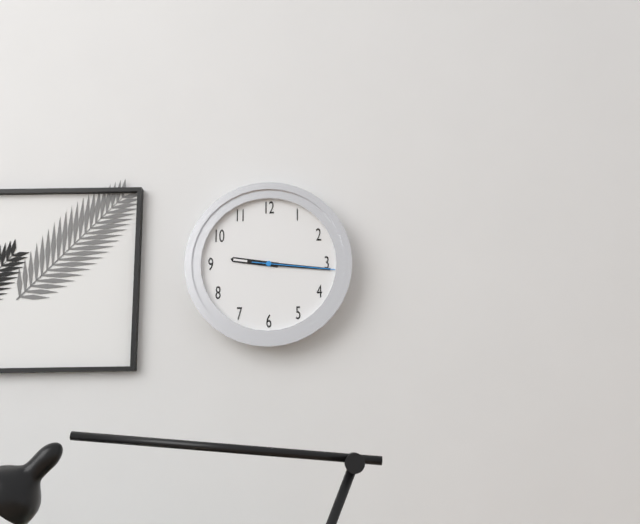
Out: 9:16:16
